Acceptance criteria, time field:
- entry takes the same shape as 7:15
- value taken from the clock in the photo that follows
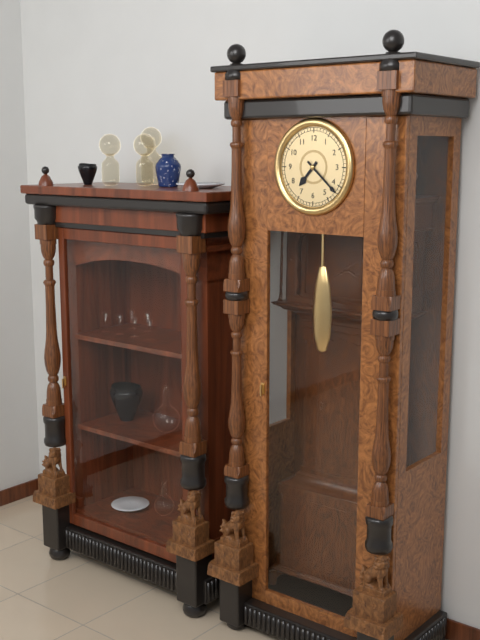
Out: 7:22
